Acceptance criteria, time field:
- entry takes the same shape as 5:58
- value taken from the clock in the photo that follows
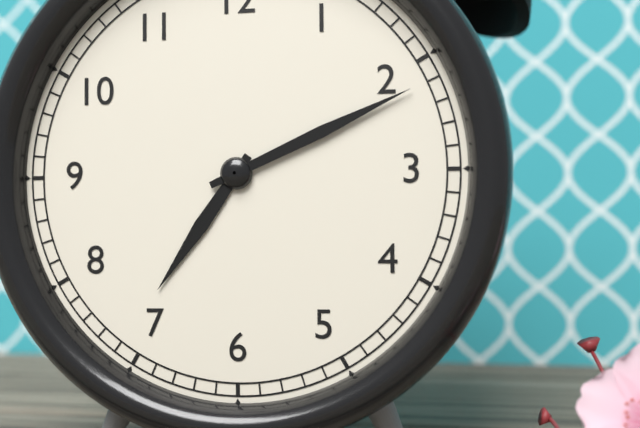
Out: 7:11
